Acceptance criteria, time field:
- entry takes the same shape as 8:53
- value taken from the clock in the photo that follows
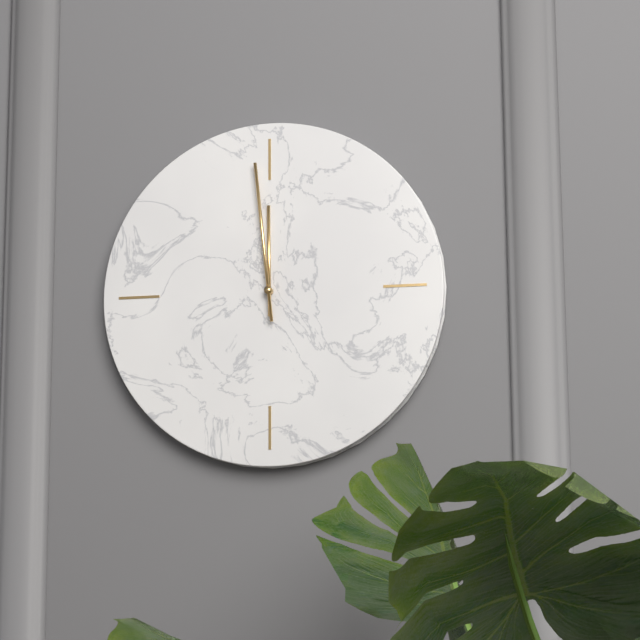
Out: 11:59
